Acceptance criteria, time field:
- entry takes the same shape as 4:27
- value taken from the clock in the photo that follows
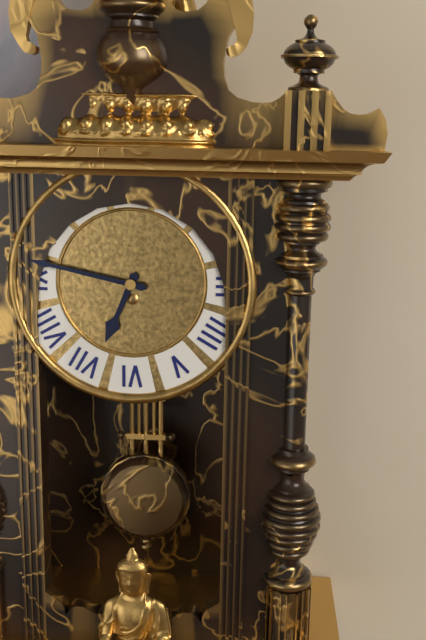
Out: 6:47
